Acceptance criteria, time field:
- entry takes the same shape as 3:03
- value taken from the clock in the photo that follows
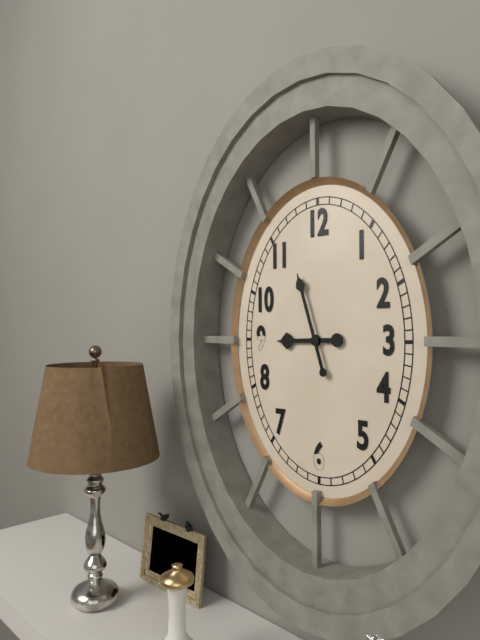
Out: 8:57
